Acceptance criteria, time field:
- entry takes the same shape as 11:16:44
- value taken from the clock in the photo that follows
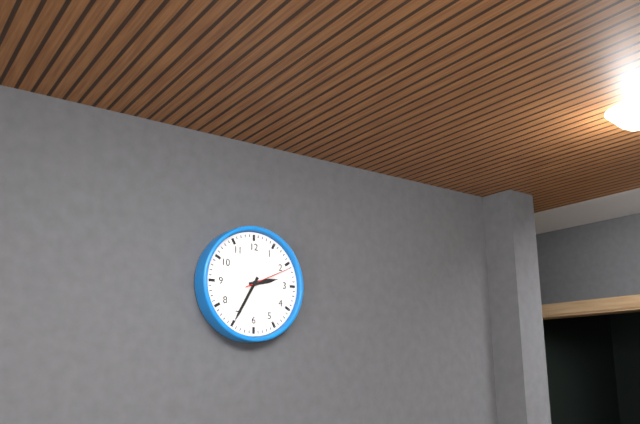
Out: 2:35:11
